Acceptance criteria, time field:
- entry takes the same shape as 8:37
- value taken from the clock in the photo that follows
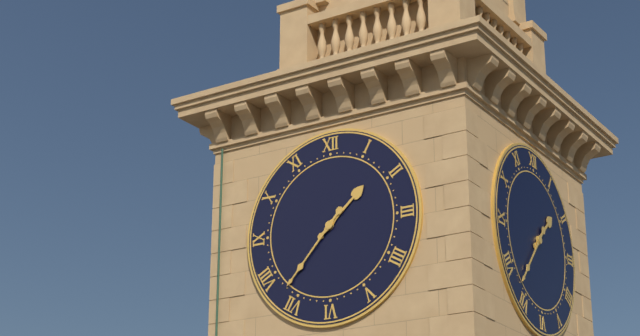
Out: 1:37
